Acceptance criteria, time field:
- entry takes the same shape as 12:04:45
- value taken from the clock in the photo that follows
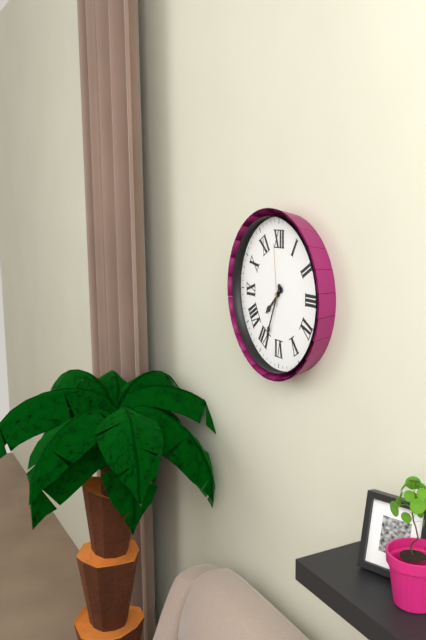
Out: 7:34:59
